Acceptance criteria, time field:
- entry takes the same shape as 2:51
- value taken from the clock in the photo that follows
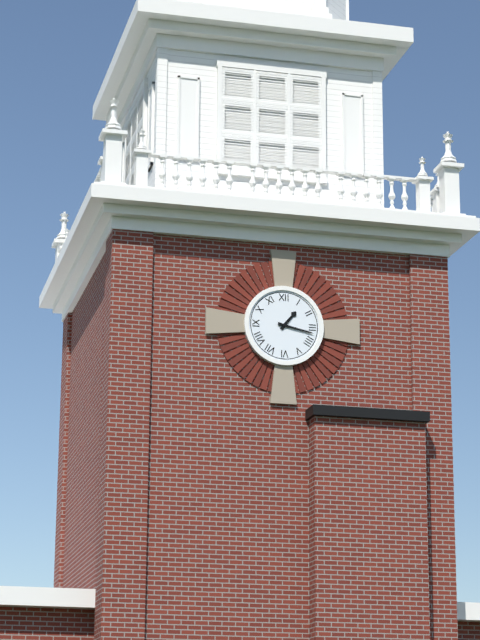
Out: 1:17
